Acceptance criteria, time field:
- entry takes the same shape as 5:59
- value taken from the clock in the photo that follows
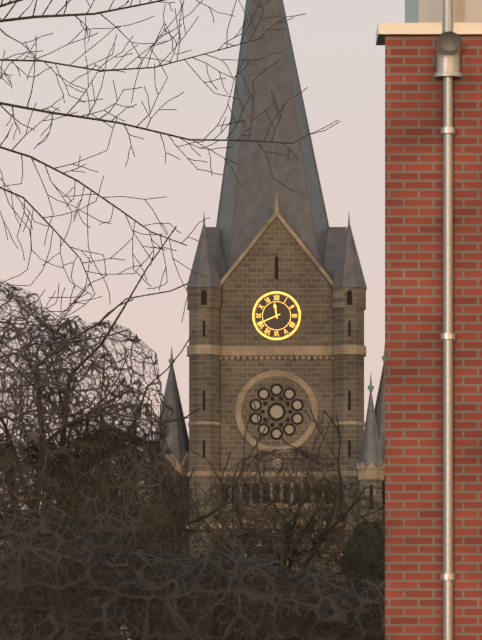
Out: 11:41
